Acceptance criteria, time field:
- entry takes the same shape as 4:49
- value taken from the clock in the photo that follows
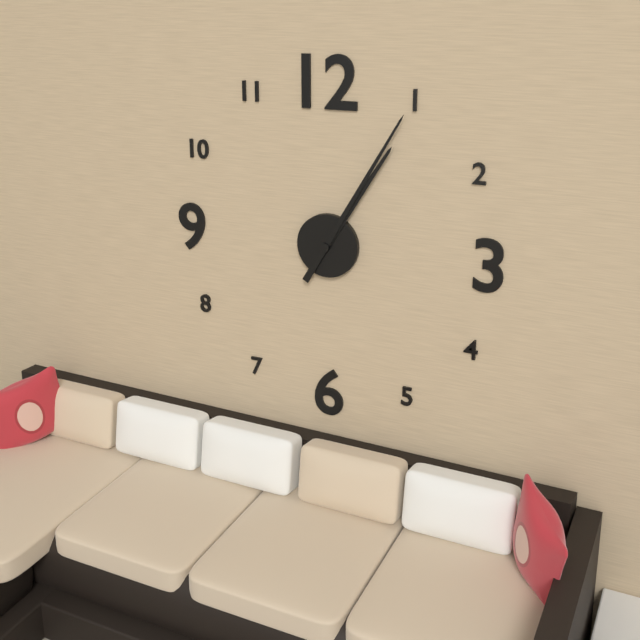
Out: 1:05
